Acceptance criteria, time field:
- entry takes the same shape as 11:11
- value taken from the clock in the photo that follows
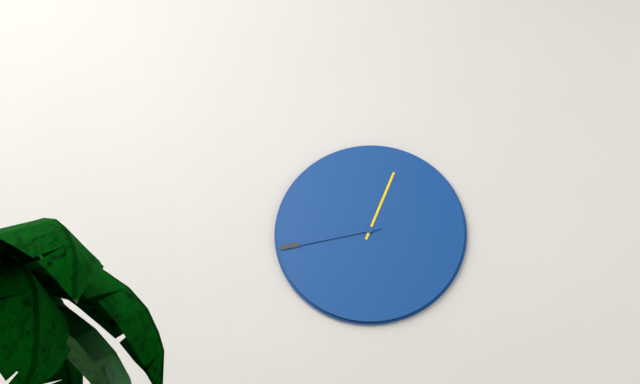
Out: 12:43
